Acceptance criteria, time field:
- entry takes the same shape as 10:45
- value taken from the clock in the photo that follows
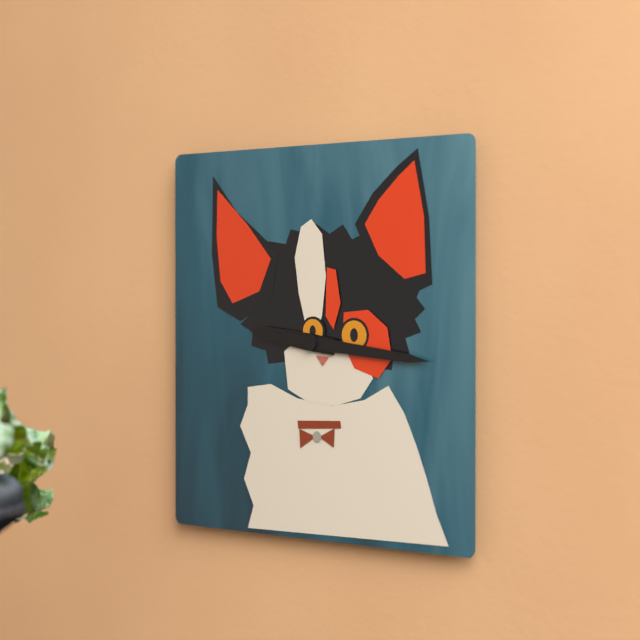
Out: 9:16
